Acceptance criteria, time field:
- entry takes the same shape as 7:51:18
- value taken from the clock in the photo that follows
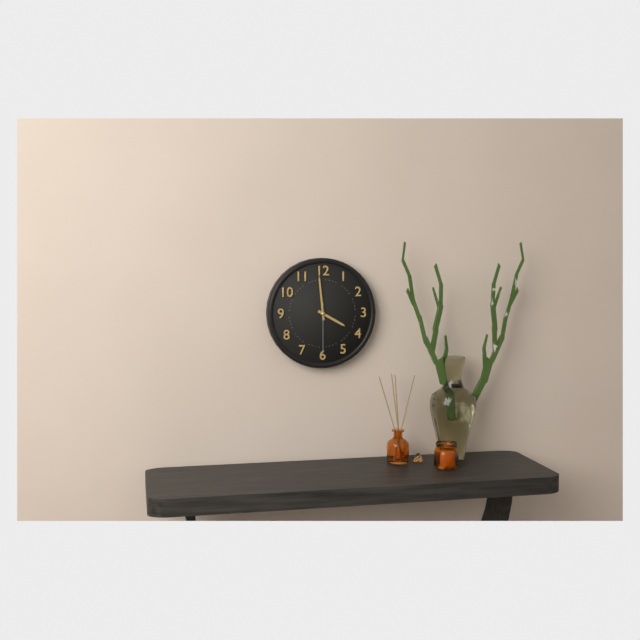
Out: 3:59:30
